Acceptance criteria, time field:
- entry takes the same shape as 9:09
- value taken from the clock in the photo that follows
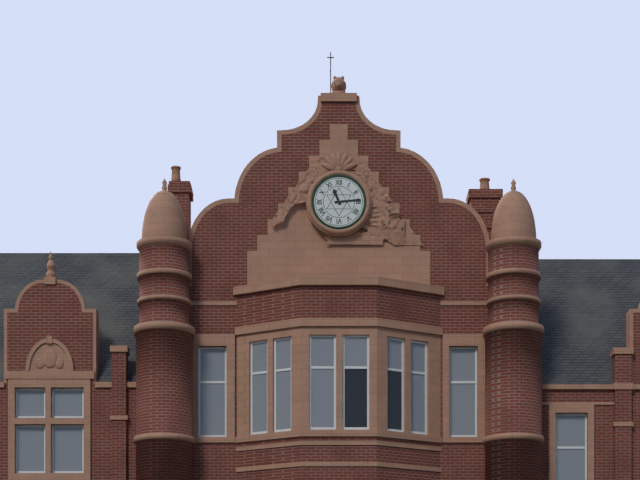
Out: 11:14
